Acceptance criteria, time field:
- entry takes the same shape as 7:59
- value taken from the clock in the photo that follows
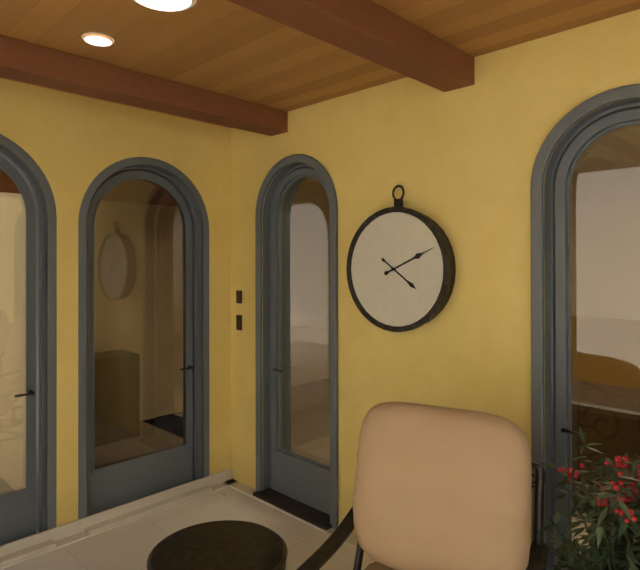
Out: 4:11
